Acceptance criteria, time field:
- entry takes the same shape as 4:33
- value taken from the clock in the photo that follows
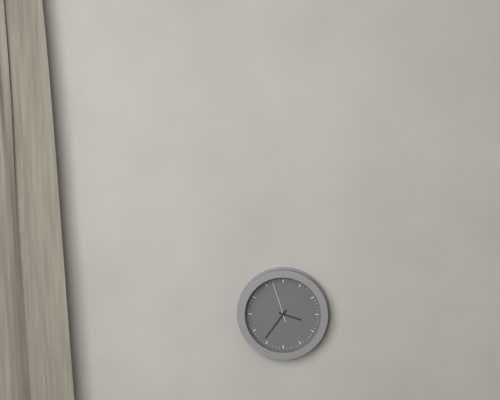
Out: 3:36
